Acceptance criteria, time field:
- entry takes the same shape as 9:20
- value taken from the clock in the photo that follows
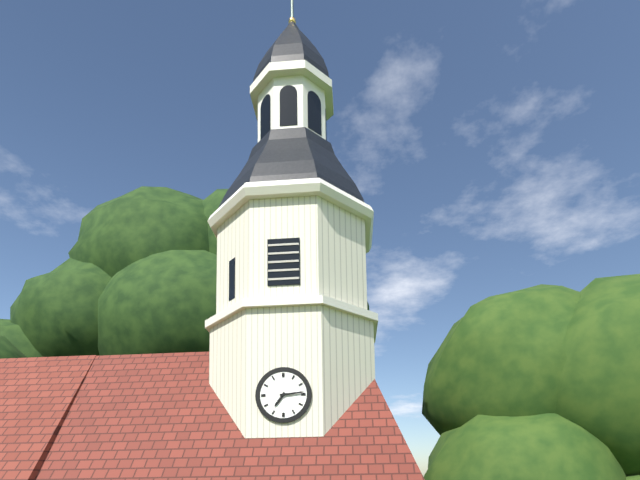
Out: 7:14
